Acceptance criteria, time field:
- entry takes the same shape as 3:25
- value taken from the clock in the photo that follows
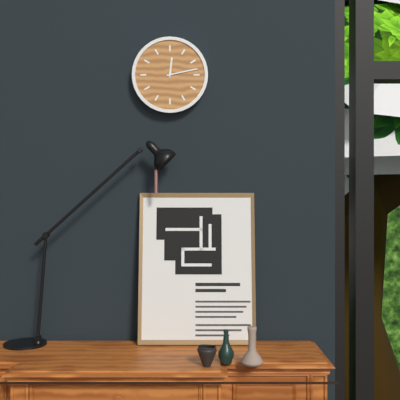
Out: 12:13
